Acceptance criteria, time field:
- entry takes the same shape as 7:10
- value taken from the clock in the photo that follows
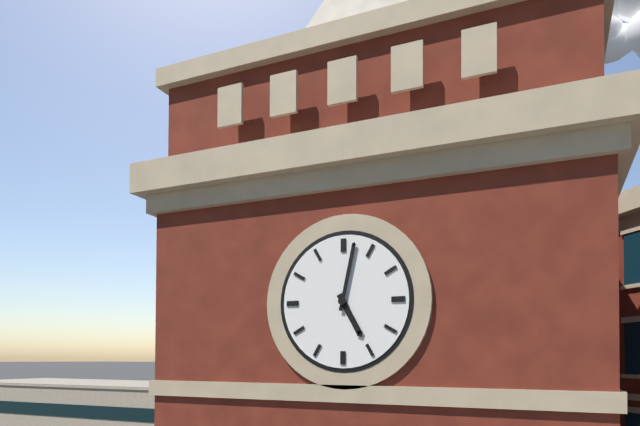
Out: 5:02
